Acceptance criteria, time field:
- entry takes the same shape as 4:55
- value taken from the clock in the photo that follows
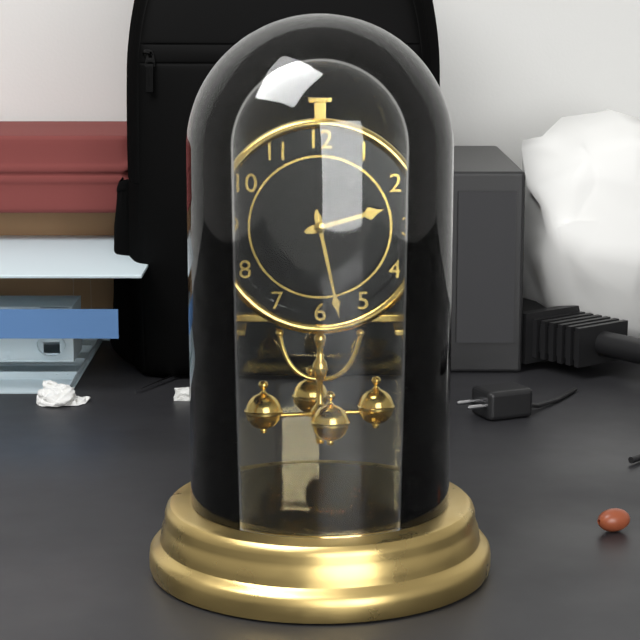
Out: 2:28
